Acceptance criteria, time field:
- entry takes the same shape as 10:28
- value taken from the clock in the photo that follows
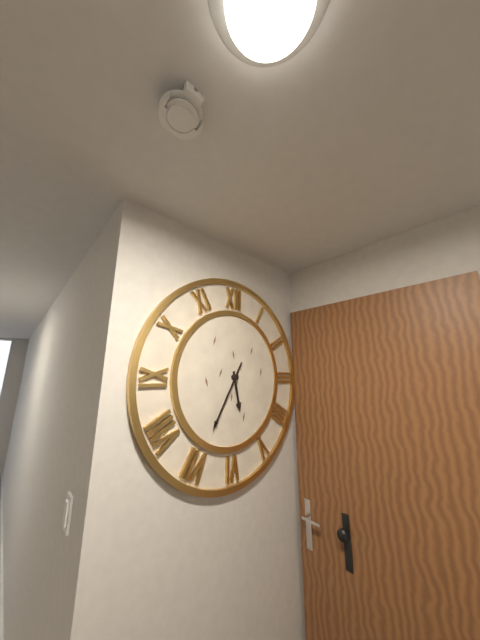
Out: 5:35
